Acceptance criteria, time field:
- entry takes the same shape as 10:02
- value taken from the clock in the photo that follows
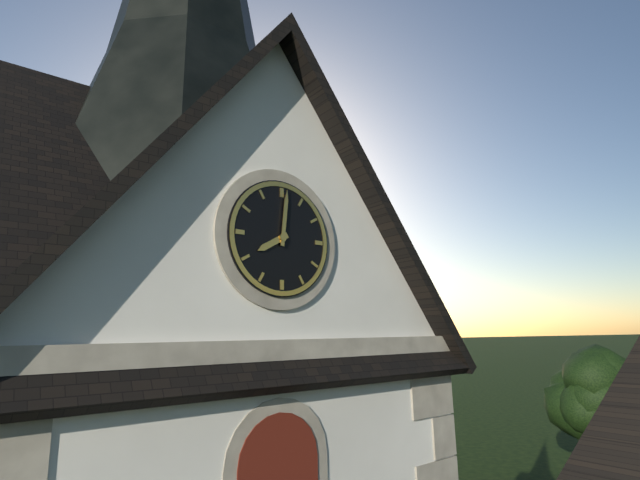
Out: 8:01
